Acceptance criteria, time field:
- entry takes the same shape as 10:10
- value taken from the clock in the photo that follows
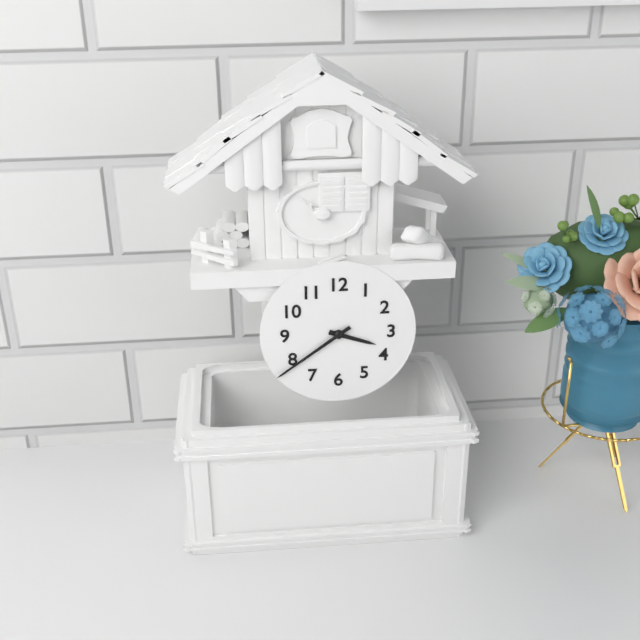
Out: 3:39
